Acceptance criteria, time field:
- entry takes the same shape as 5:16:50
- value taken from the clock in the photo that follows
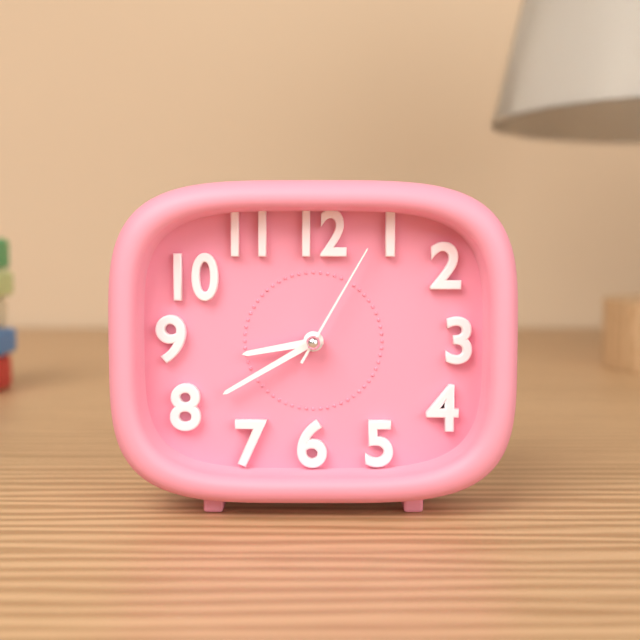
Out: 8:40:05
